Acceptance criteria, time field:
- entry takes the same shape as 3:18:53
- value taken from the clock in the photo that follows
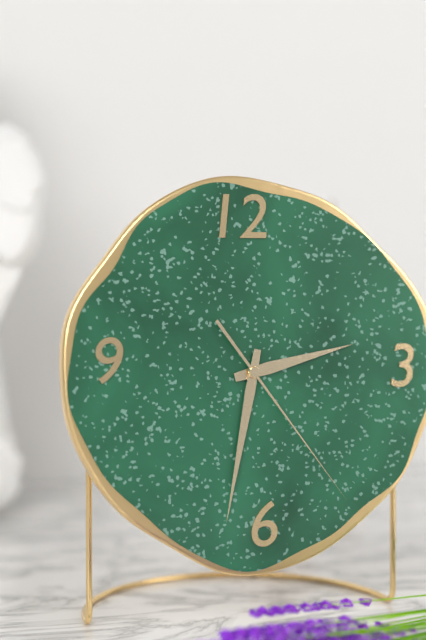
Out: 2:32:24
